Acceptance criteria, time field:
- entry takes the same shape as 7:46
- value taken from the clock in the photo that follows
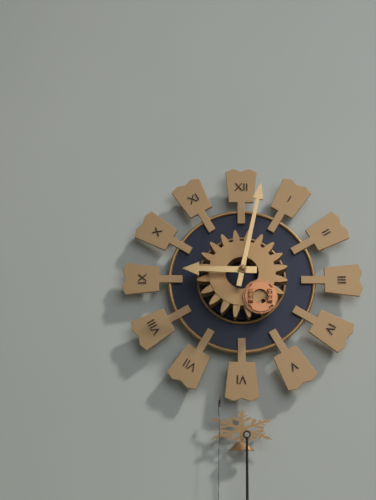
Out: 9:02
